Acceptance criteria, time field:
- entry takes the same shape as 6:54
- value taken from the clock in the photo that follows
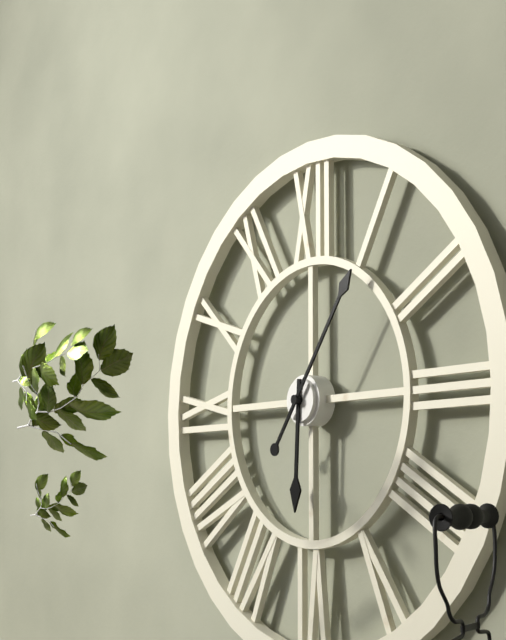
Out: 6:06
